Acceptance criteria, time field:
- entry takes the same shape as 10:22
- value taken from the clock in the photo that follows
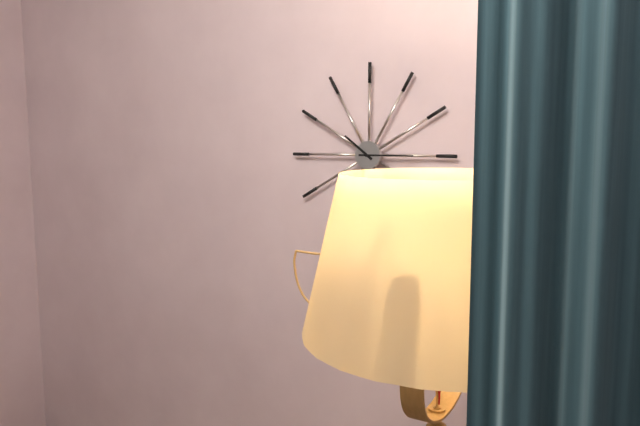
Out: 10:15
